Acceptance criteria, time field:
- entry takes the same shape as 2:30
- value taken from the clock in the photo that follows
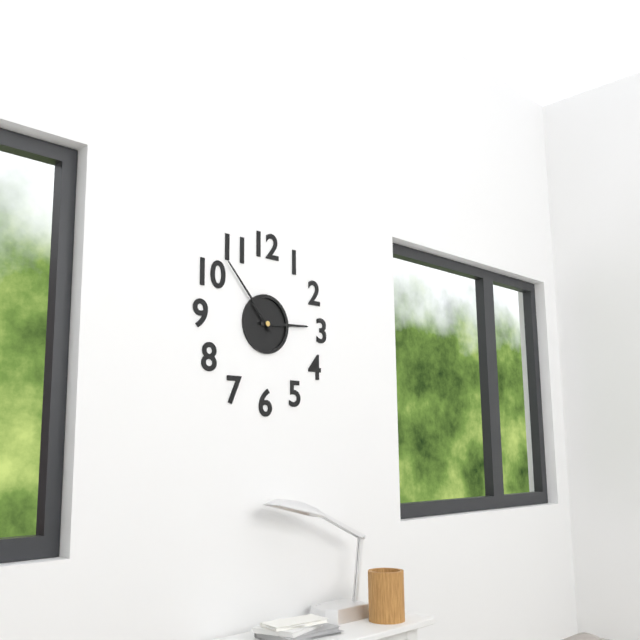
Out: 2:53
